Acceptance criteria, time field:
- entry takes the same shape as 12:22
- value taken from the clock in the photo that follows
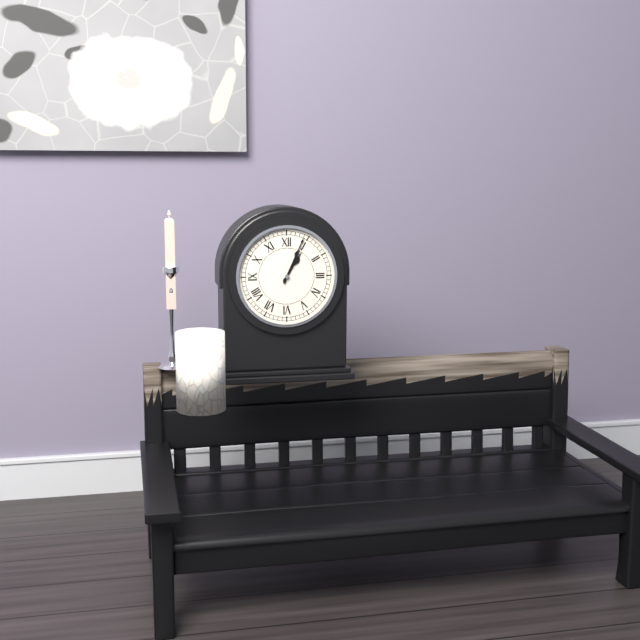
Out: 1:04
